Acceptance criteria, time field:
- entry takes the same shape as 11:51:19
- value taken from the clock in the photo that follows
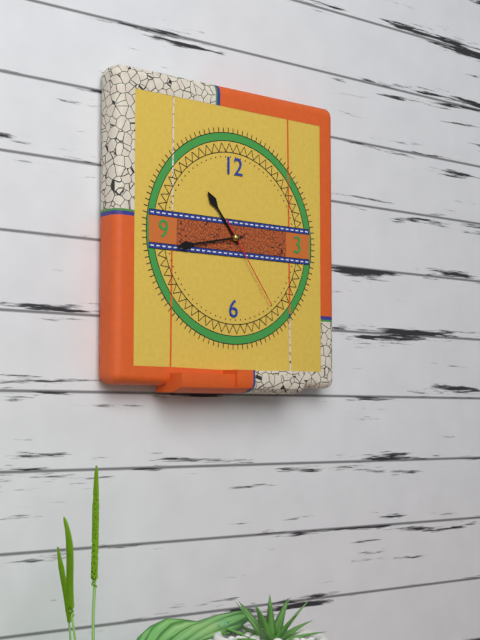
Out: 10:43:24
